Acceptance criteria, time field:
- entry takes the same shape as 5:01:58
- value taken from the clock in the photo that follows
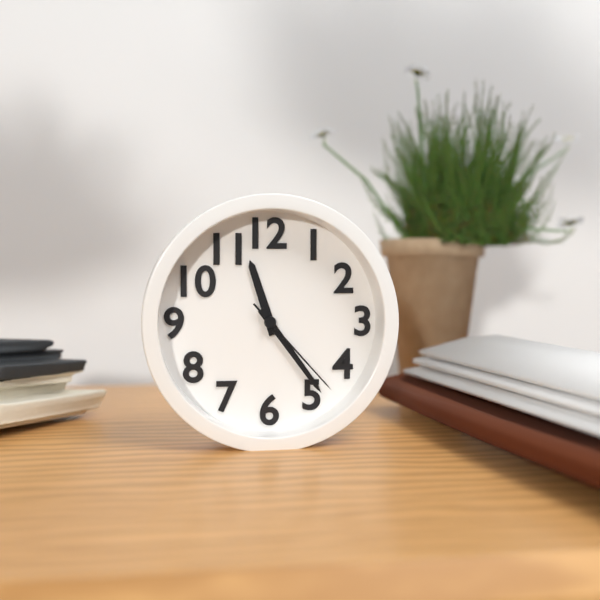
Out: 11:24:23
